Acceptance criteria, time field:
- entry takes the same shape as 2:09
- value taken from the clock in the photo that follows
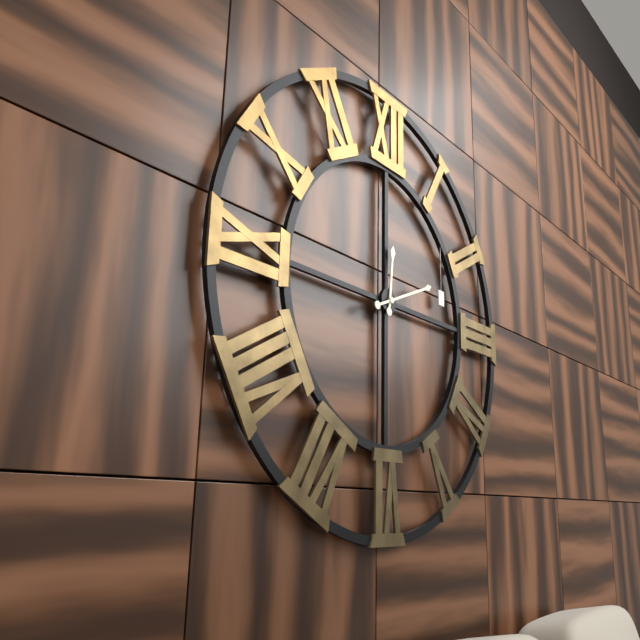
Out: 12:11
